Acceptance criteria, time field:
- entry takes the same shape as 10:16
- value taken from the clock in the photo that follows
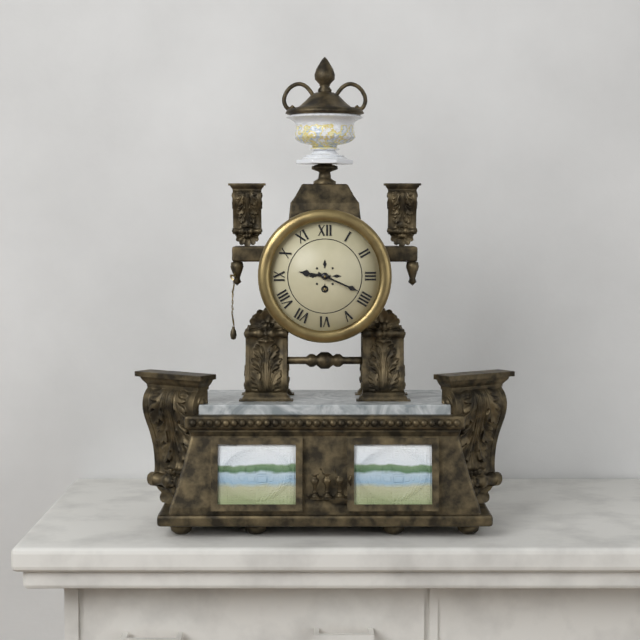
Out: 9:19
